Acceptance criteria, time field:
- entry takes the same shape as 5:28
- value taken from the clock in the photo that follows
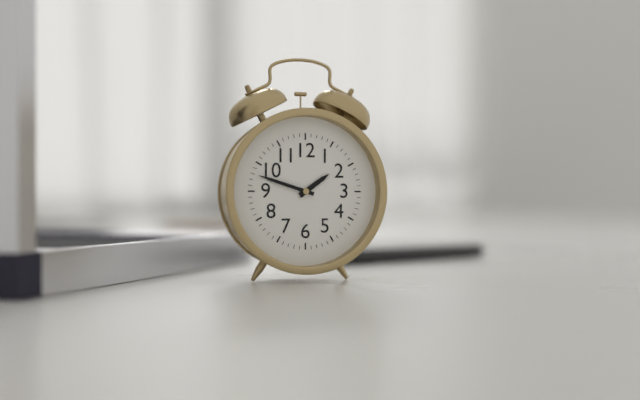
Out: 1:48
